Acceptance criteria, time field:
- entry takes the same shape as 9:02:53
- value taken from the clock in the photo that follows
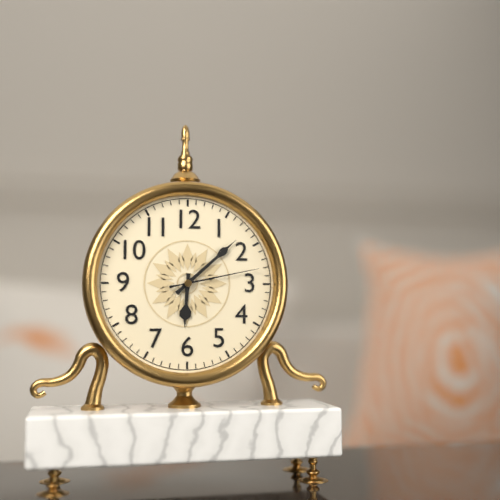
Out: 6:08:13
